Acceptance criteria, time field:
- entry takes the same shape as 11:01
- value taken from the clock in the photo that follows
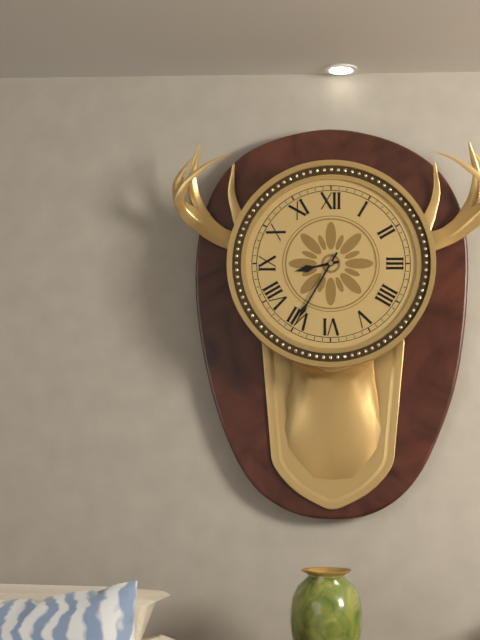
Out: 8:35
